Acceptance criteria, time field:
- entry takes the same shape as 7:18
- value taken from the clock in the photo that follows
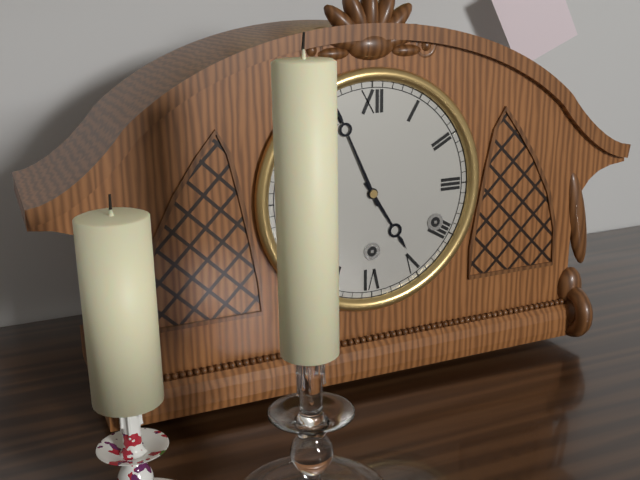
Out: 4:56
